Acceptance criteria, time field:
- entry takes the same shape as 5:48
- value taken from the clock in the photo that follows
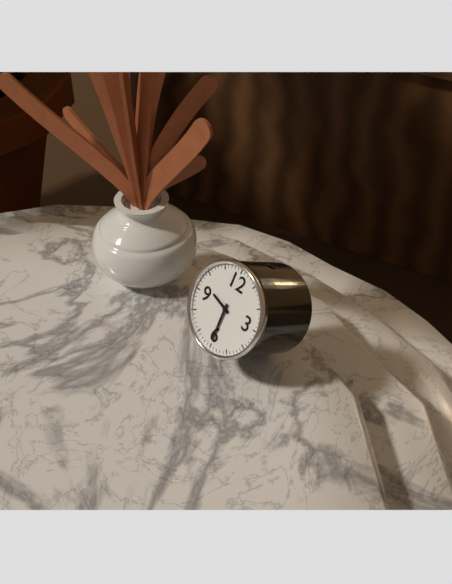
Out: 9:30
